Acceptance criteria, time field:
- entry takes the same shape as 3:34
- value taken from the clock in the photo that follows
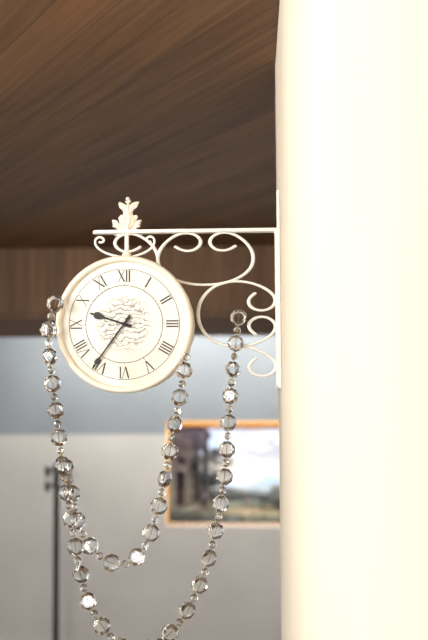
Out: 9:36
